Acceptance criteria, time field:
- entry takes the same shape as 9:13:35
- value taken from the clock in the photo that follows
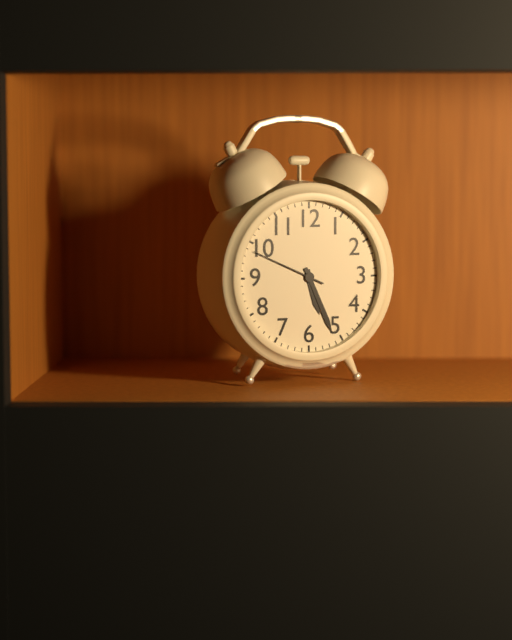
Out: 5:26:49
